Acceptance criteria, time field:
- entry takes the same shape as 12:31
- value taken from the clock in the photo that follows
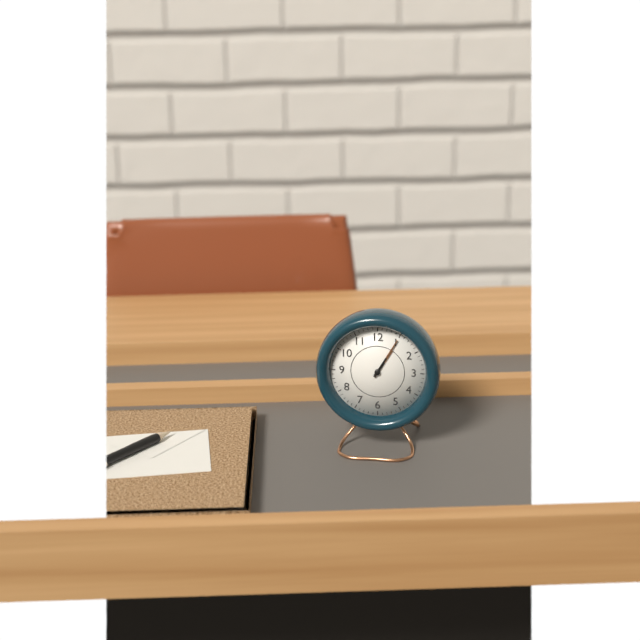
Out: 1:05
